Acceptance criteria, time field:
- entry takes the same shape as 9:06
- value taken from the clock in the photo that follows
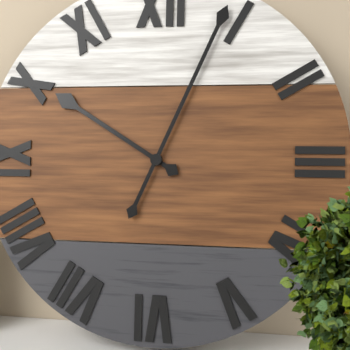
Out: 10:04
